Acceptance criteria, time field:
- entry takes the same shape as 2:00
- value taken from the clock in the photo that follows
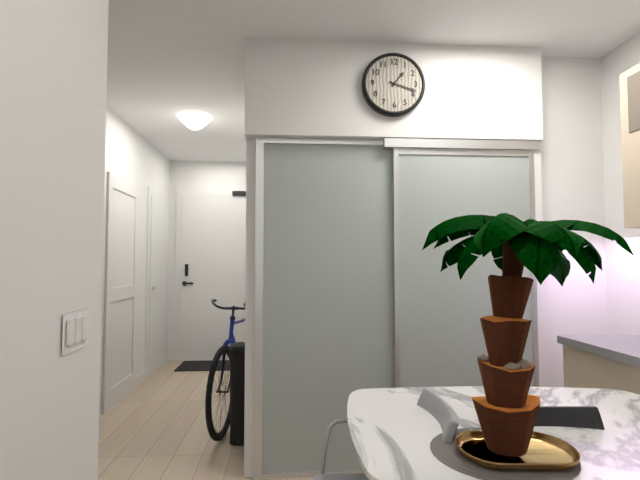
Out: 1:18
